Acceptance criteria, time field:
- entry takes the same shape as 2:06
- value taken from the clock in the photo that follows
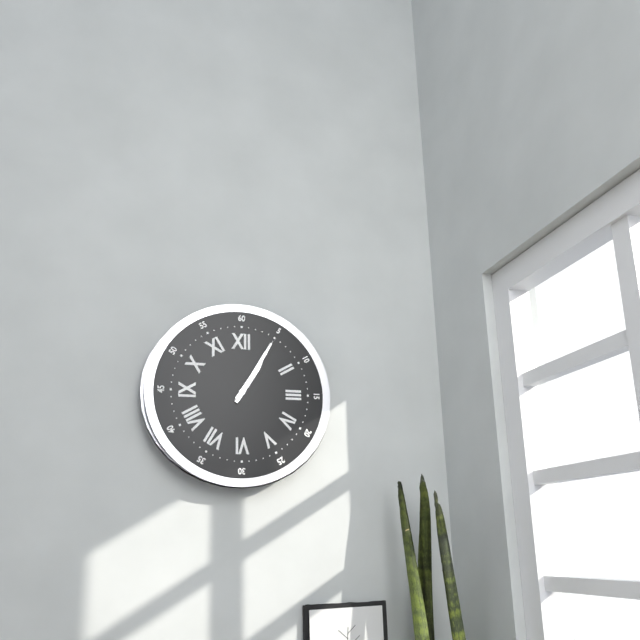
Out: 1:05
